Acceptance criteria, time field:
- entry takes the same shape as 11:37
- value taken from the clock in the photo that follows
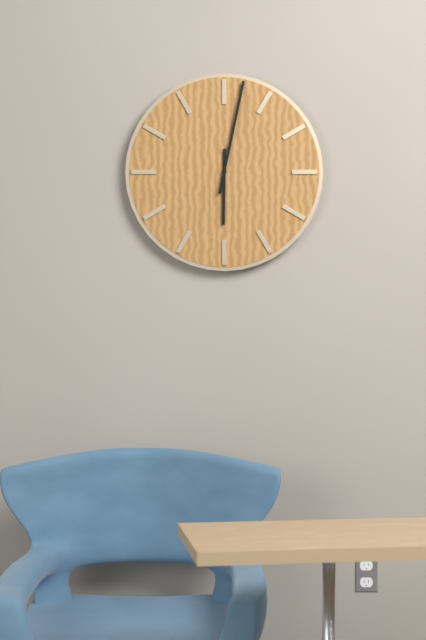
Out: 6:02
